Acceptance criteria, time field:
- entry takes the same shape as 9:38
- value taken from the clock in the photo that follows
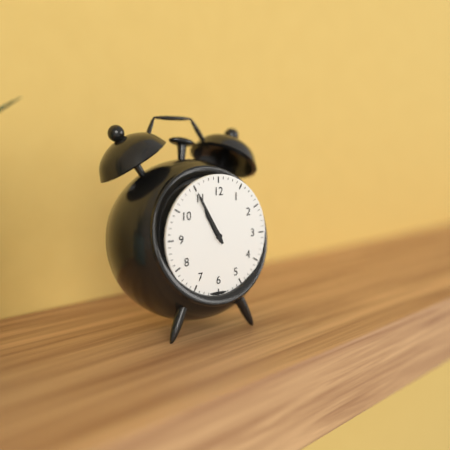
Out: 10:55
